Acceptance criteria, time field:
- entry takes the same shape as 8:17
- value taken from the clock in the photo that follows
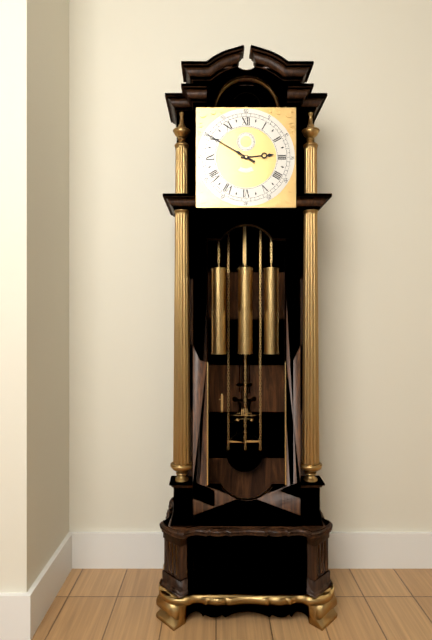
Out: 2:50
